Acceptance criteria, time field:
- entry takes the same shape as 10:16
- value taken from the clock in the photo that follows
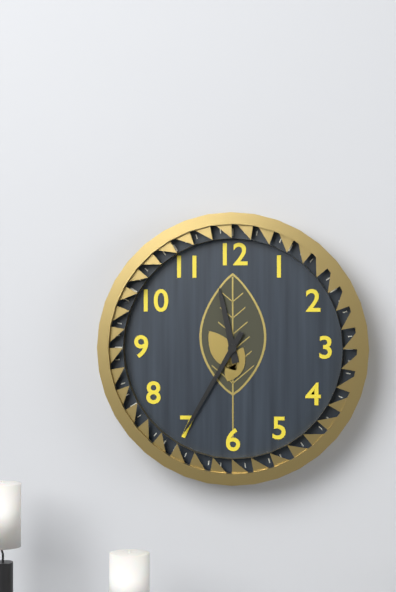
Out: 11:35
